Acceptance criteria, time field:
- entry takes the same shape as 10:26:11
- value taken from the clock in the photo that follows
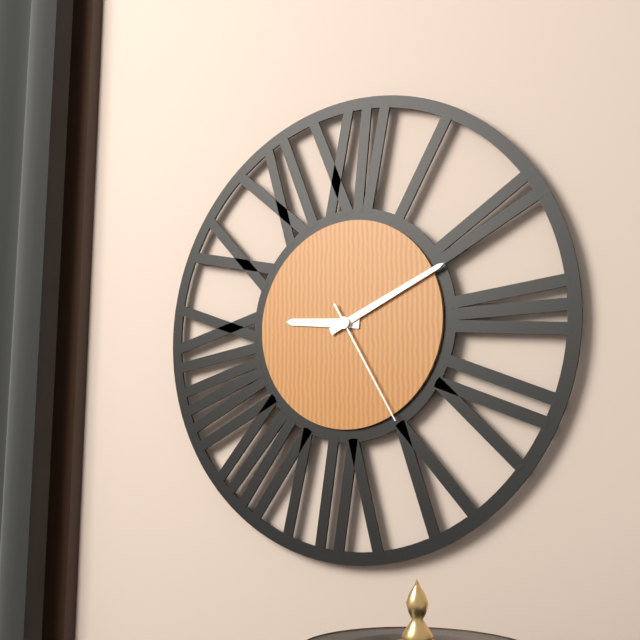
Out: 9:11:25
